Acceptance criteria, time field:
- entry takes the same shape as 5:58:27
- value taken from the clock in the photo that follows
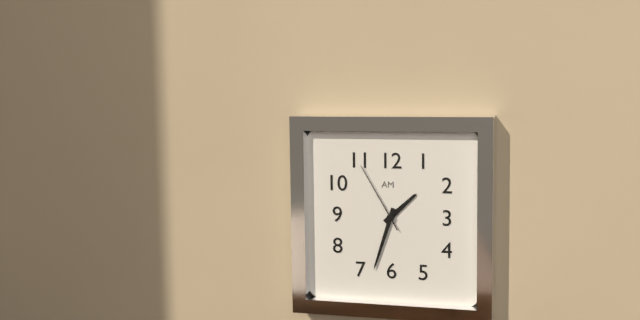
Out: 1:33:55
